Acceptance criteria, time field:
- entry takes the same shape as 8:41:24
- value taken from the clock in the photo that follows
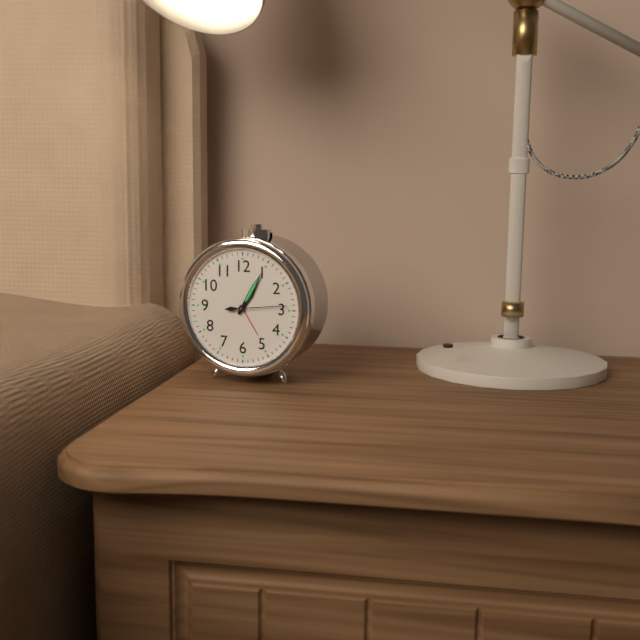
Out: 1:05:14
